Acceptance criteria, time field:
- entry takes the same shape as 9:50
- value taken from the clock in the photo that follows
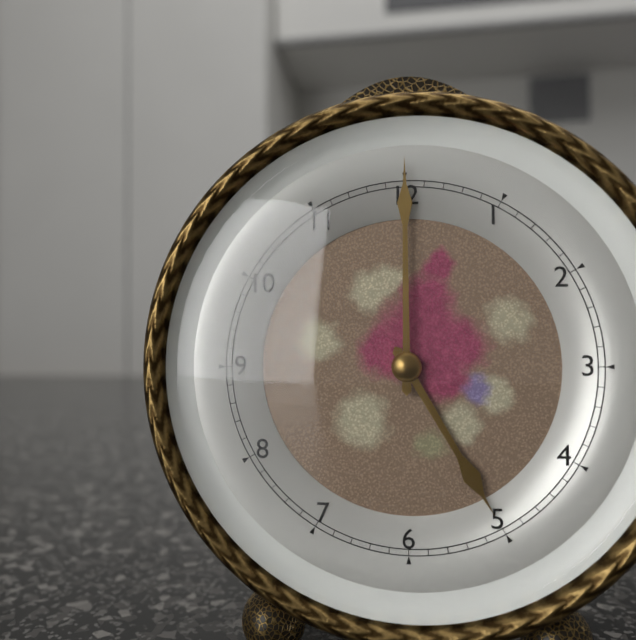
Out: 5:00
